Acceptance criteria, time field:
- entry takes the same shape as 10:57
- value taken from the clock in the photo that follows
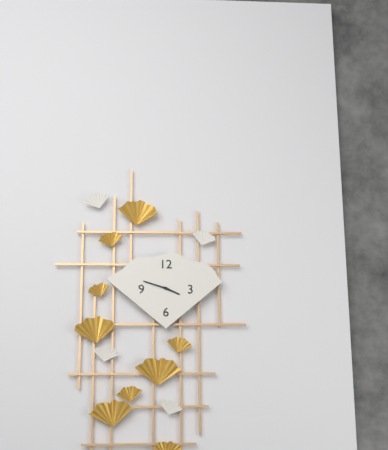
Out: 3:48
